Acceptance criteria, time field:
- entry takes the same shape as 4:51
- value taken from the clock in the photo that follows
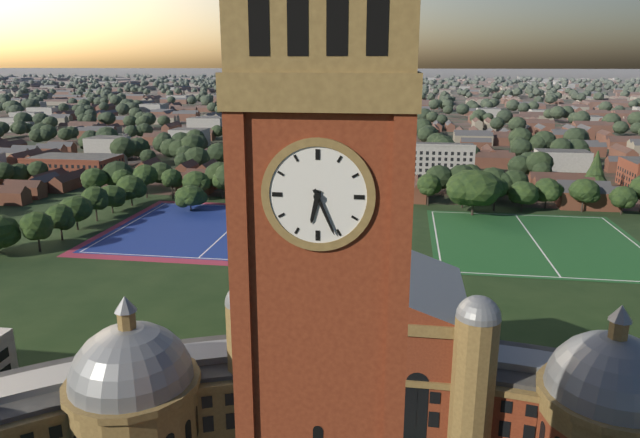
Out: 6:26
